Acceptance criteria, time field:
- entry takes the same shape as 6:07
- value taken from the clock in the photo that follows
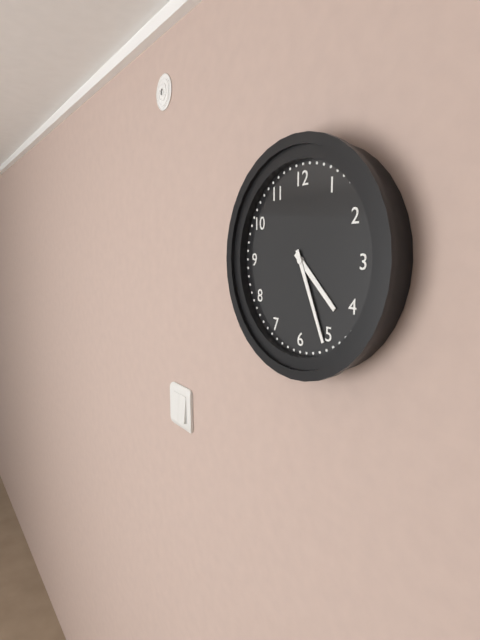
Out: 4:26
